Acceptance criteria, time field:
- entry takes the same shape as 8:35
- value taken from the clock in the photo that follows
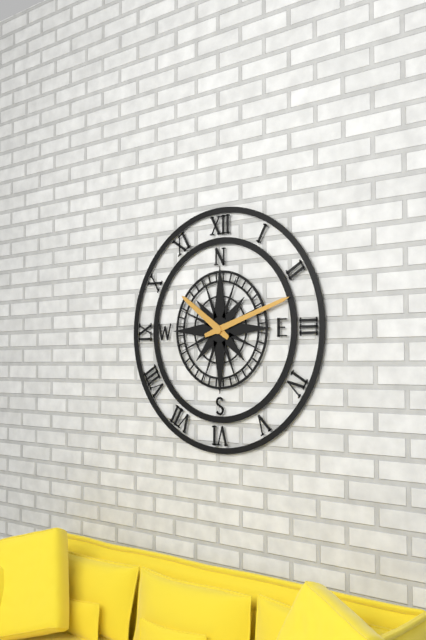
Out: 10:12
